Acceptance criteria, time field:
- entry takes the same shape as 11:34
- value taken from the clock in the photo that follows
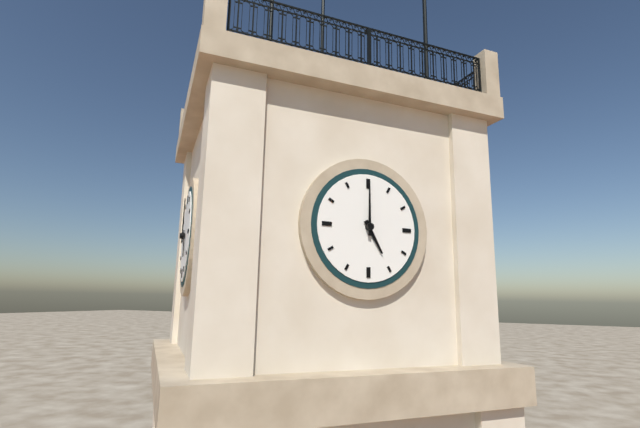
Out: 5:00
